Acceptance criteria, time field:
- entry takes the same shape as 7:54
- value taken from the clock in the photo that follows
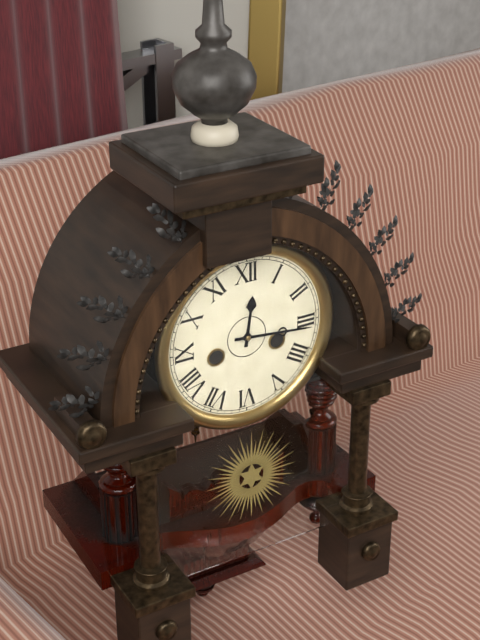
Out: 12:16
